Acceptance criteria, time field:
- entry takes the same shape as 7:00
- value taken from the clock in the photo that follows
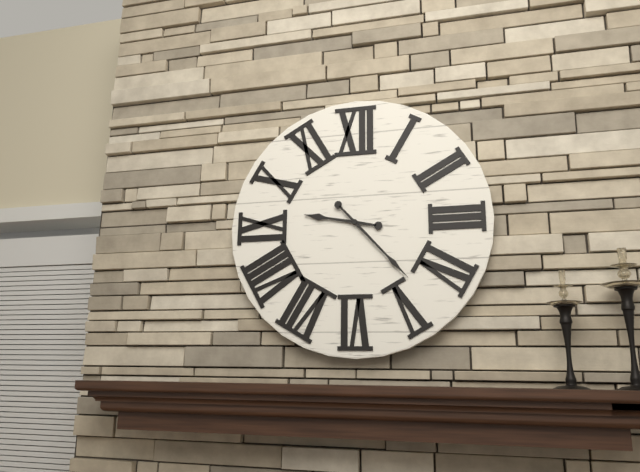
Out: 9:23
